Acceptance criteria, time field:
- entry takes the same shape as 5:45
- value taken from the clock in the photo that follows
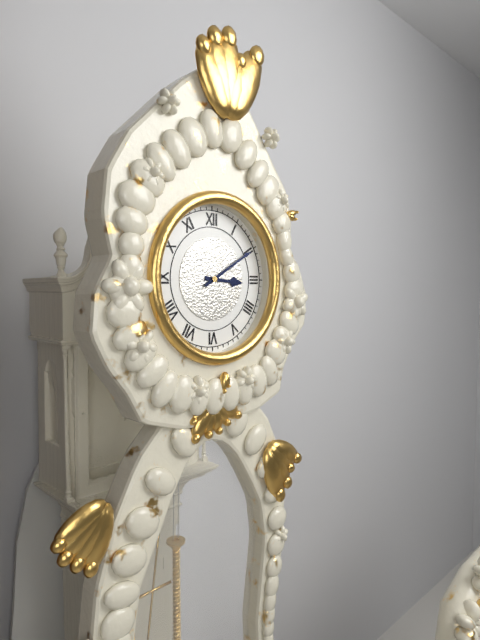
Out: 3:10
